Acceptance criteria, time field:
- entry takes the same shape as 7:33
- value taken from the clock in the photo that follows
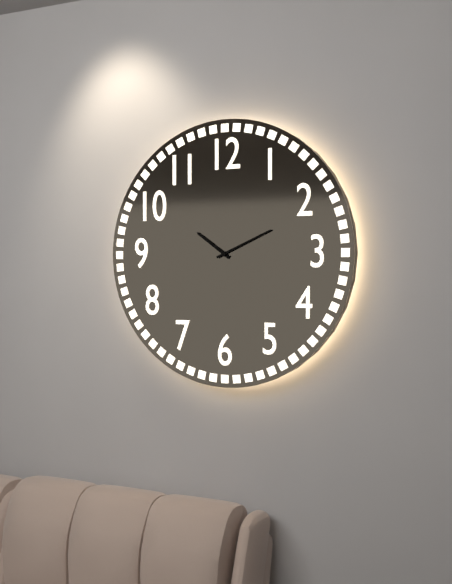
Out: 10:11
